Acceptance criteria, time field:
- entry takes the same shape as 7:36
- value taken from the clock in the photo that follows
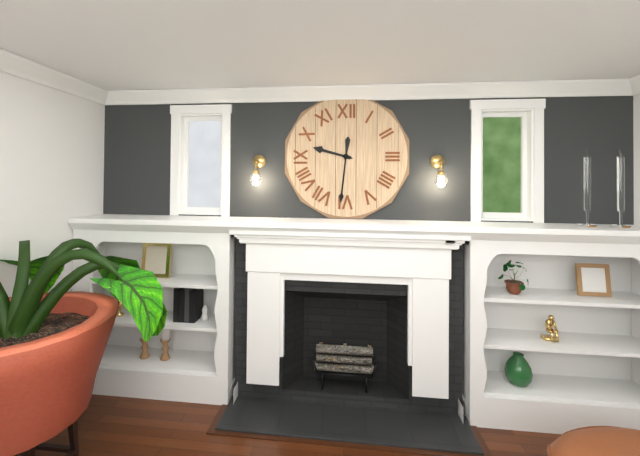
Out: 9:31
